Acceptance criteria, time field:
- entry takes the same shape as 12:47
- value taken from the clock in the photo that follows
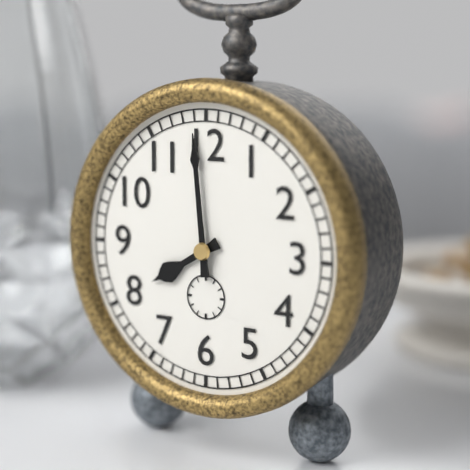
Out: 7:59
